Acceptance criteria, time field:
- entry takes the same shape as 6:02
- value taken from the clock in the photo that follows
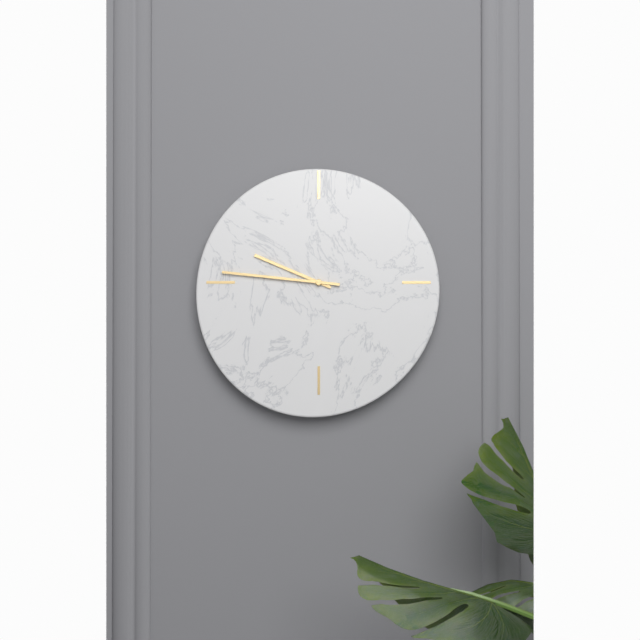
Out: 9:46
